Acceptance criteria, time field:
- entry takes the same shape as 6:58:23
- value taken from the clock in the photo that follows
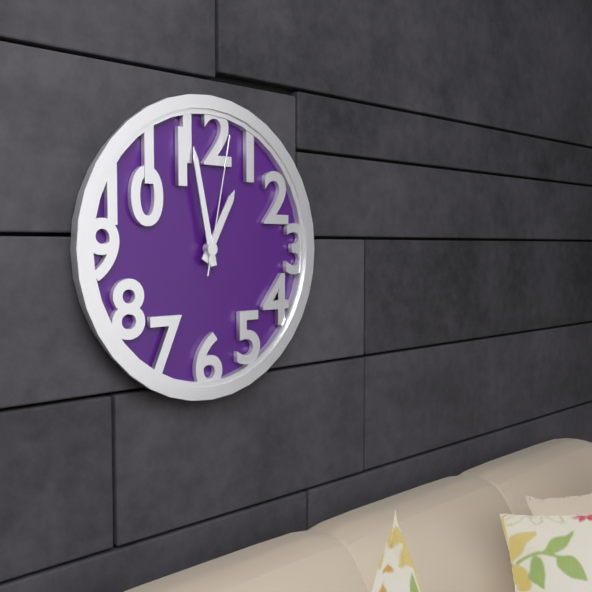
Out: 12:58:02
